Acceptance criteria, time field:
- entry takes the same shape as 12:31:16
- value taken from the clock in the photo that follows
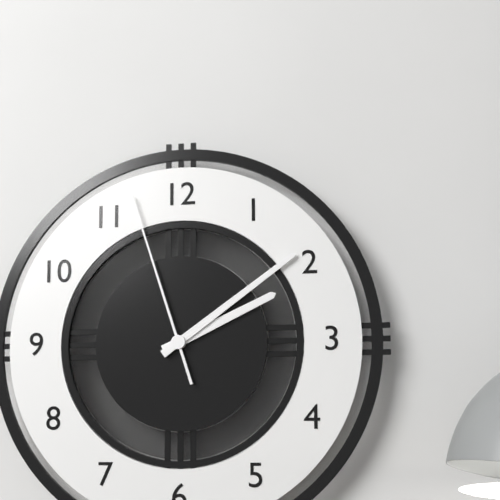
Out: 2:09:57
